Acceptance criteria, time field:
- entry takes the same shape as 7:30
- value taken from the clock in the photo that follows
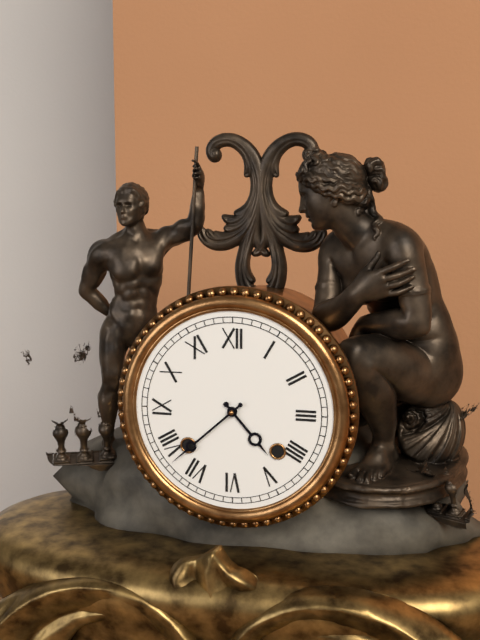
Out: 4:38
